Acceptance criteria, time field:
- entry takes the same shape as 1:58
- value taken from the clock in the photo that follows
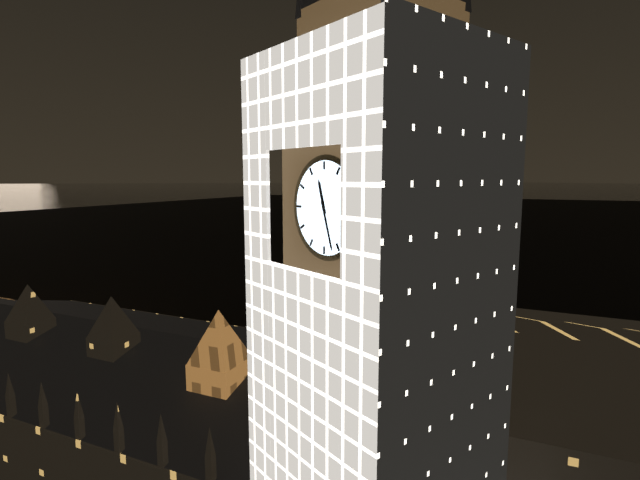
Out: 11:27
